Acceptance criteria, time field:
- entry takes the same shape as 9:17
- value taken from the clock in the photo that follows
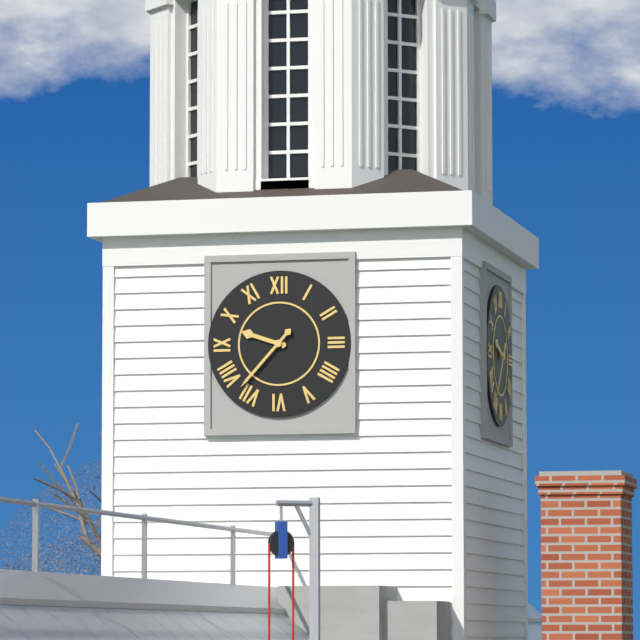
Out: 9:37
